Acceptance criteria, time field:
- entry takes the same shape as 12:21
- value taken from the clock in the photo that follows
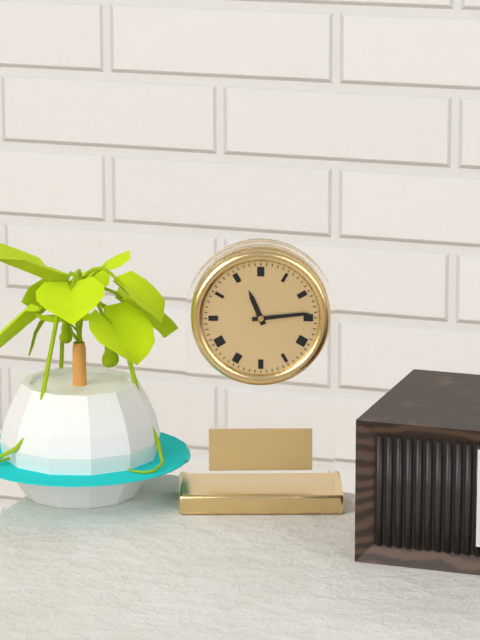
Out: 11:14
